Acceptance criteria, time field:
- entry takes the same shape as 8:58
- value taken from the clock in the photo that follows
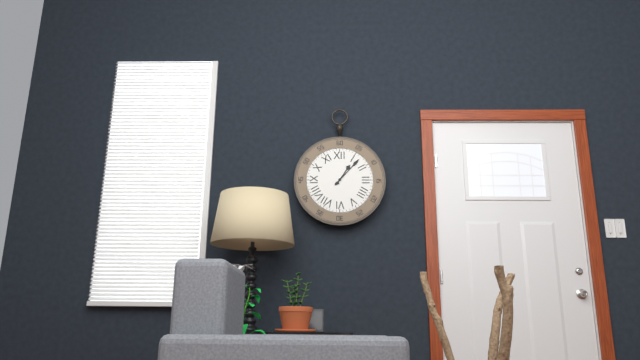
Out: 1:07
